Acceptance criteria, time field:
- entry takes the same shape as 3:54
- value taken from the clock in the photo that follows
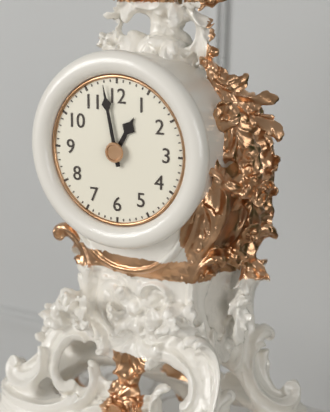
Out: 12:58
